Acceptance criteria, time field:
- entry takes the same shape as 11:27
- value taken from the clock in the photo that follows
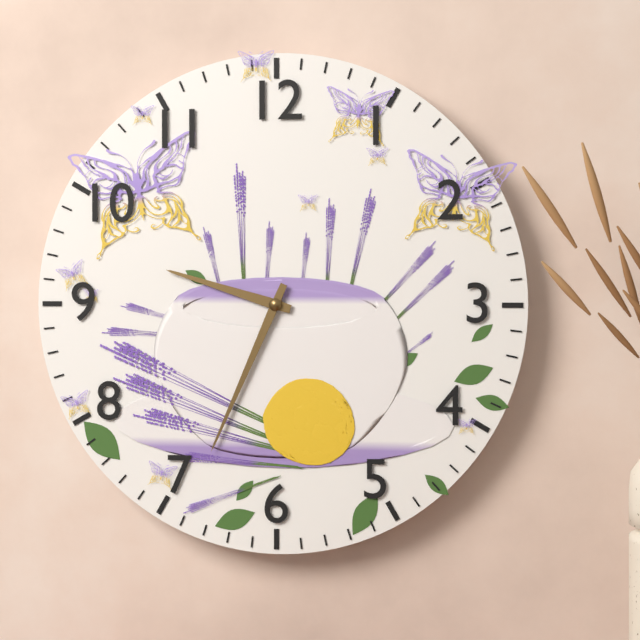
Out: 9:34
